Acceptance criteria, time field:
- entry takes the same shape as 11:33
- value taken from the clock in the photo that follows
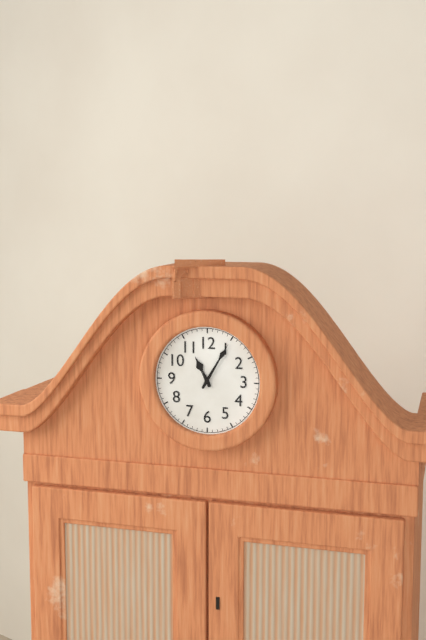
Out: 11:05
